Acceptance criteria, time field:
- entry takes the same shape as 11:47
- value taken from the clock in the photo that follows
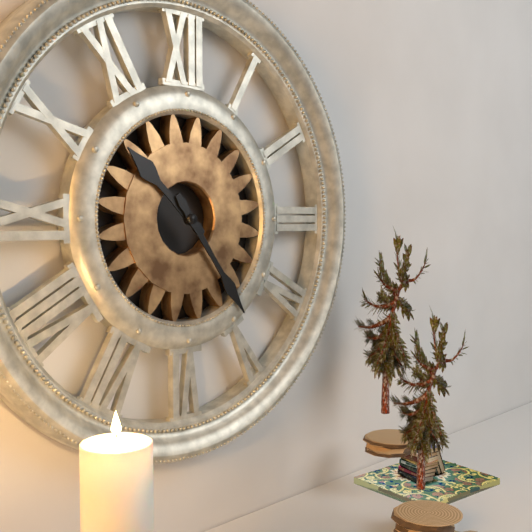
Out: 10:24
